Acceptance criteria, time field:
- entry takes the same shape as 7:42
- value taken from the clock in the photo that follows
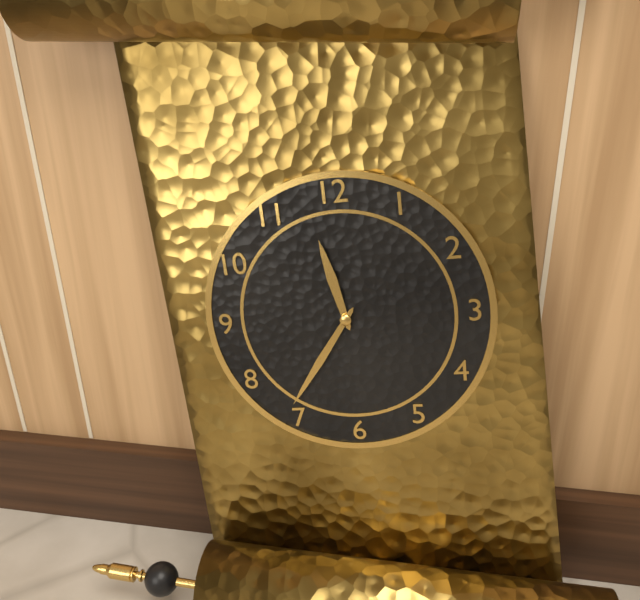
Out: 11:36
